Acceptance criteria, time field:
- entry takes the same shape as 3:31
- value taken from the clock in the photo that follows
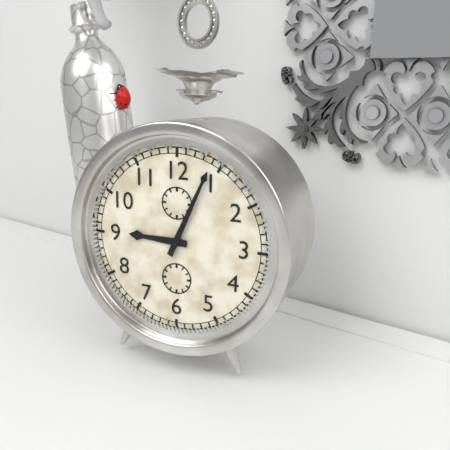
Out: 9:04
